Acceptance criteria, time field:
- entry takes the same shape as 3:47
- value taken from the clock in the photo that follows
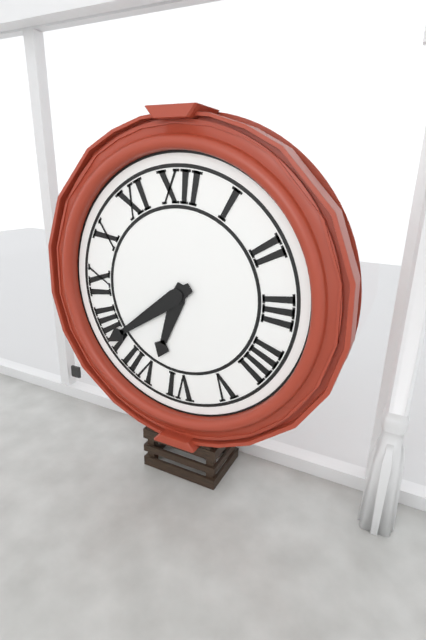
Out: 6:39
